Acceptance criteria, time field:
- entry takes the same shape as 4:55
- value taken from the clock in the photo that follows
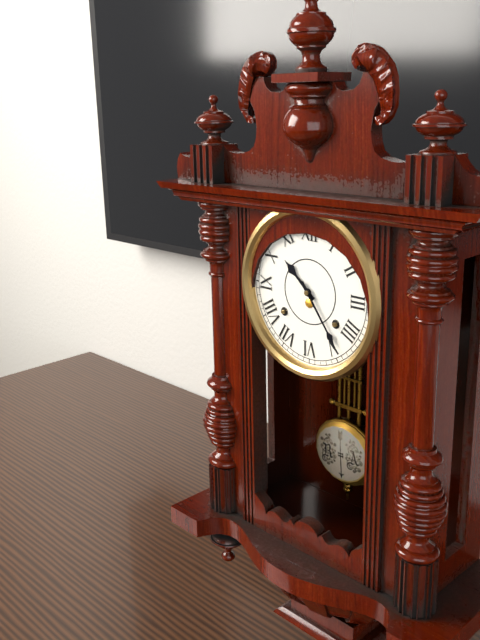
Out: 10:24
